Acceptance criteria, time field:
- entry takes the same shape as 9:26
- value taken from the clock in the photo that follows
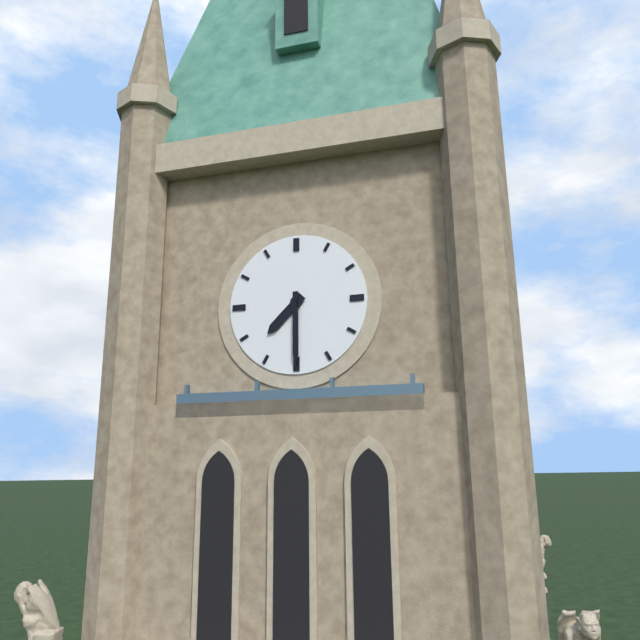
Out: 7:30
